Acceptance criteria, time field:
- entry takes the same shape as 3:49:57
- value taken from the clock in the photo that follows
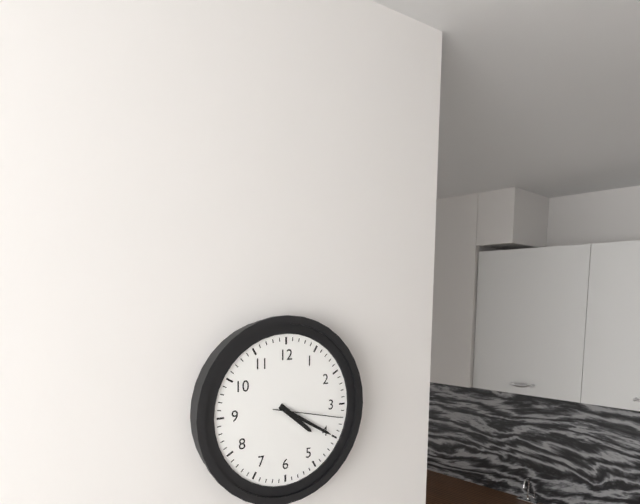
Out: 4:20:17
